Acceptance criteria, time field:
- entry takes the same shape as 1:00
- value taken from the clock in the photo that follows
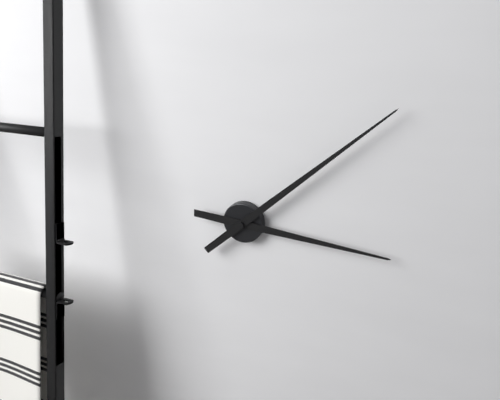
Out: 3:08
